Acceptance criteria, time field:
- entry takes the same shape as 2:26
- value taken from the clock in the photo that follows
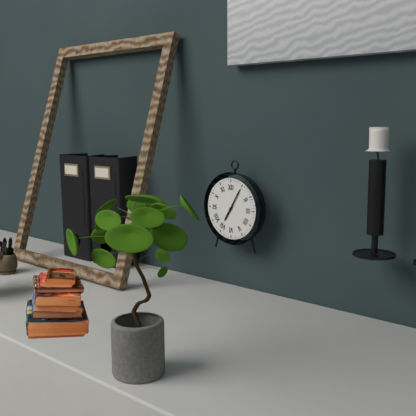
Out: 7:05
